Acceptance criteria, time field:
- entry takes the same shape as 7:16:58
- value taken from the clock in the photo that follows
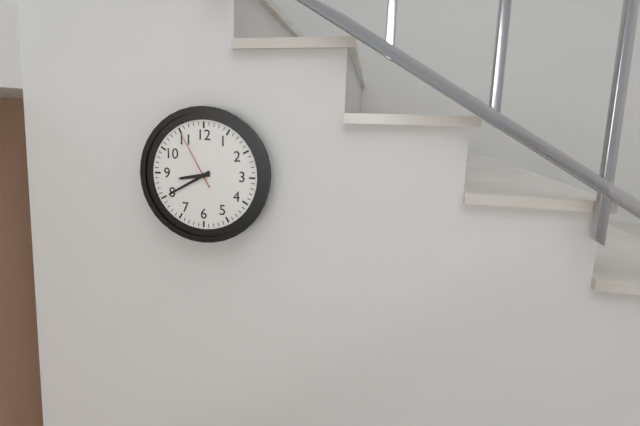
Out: 8:40:55
